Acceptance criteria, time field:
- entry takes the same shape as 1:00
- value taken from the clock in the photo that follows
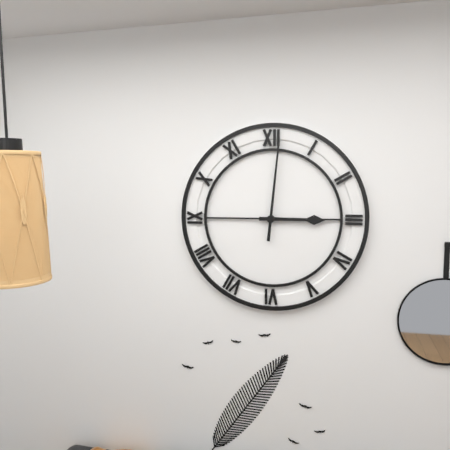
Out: 3:01
